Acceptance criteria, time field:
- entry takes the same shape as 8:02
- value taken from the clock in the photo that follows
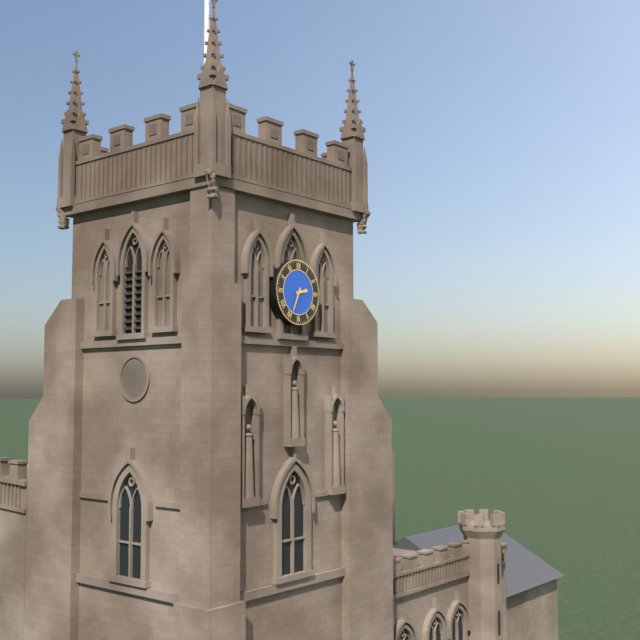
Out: 2:34
